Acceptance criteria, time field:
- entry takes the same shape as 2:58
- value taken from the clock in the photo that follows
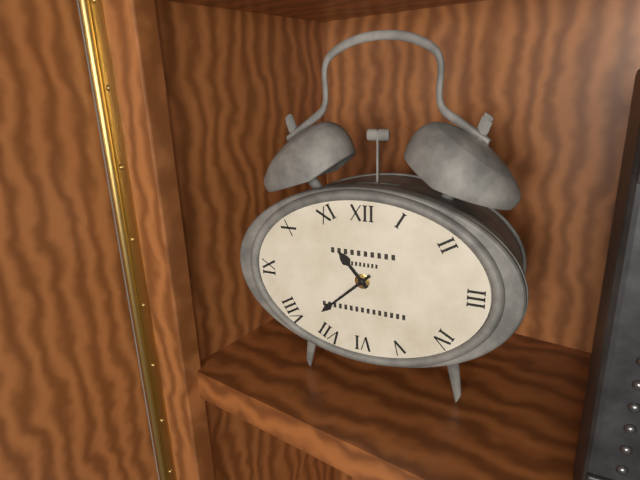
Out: 10:38
